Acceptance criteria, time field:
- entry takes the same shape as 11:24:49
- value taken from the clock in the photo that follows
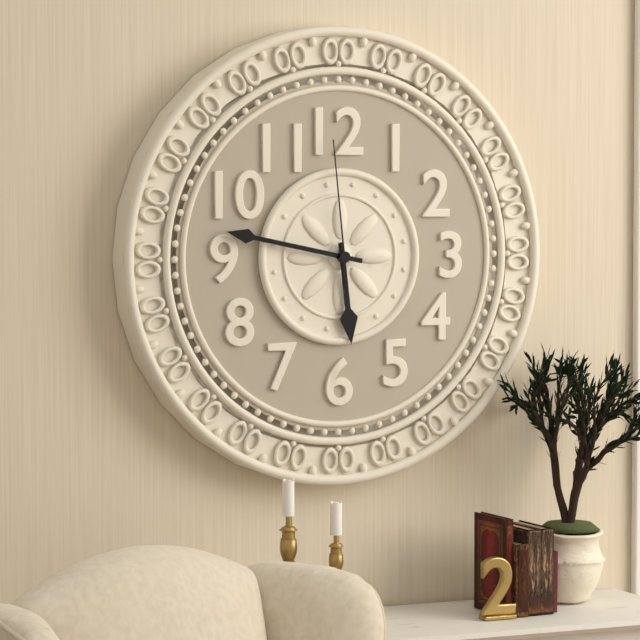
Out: 5:47:59
